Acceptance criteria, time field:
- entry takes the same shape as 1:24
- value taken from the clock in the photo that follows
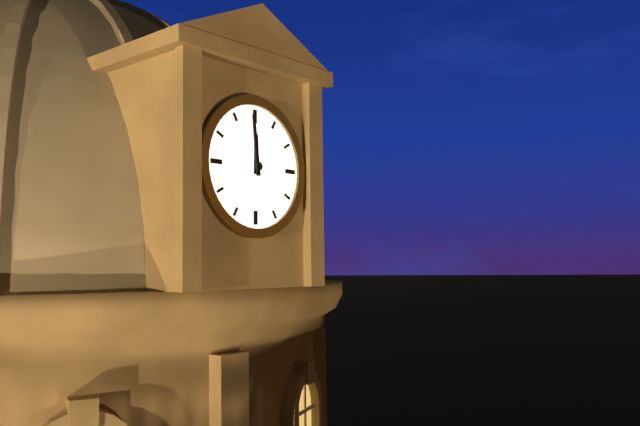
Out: 11:59
